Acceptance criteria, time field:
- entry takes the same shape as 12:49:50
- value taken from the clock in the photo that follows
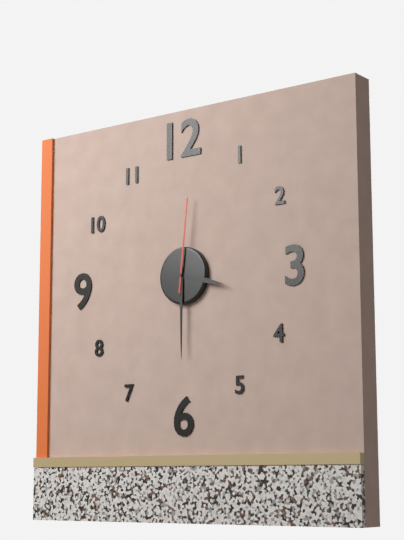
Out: 3:30:01
